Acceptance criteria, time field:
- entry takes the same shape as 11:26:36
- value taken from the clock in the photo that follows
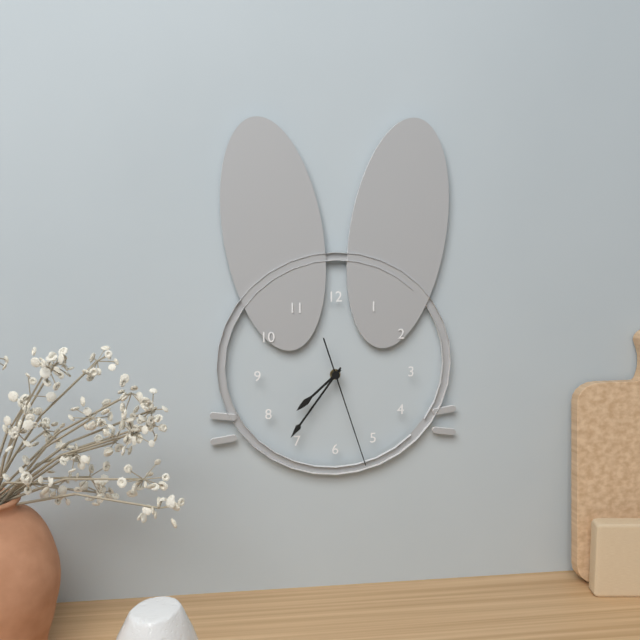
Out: 7:36:27
